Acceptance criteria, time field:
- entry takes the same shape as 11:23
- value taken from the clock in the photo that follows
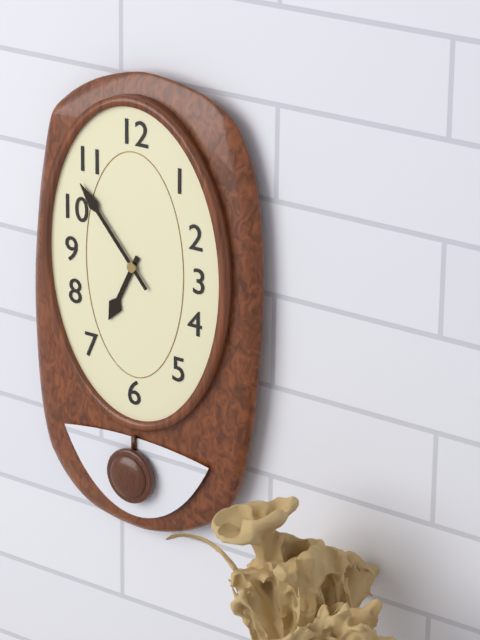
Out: 6:53
